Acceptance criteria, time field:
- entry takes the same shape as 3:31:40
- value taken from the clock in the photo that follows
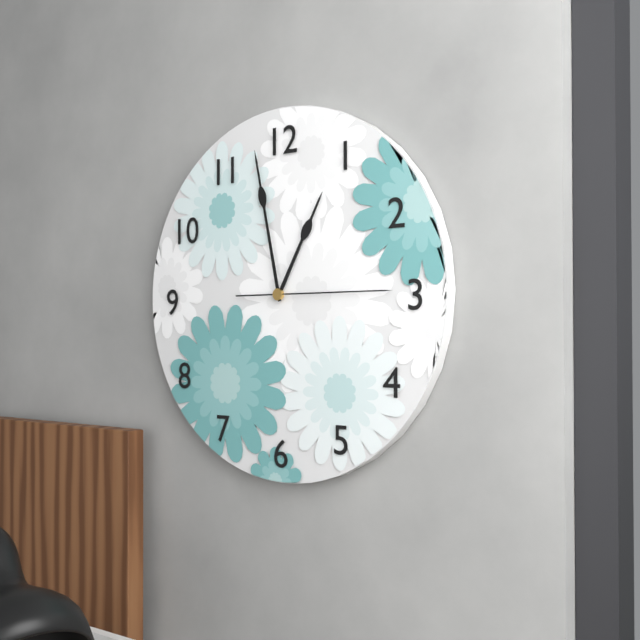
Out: 12:58:15
